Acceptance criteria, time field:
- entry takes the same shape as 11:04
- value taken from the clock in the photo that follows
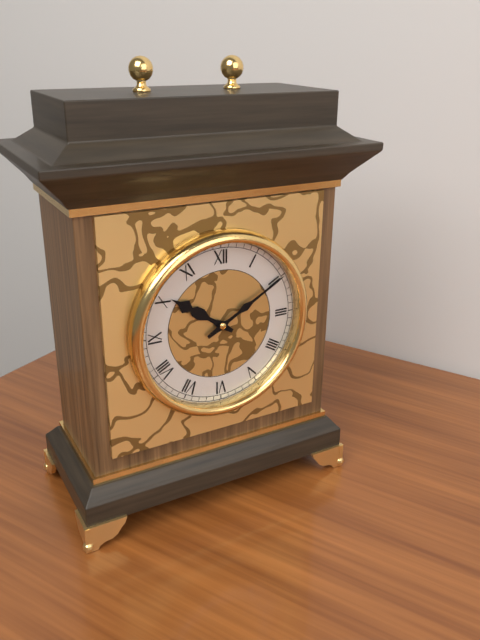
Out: 10:10
